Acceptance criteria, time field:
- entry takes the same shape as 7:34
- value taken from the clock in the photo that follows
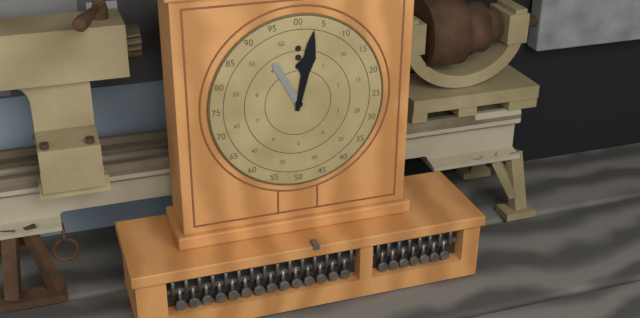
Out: 11:02
